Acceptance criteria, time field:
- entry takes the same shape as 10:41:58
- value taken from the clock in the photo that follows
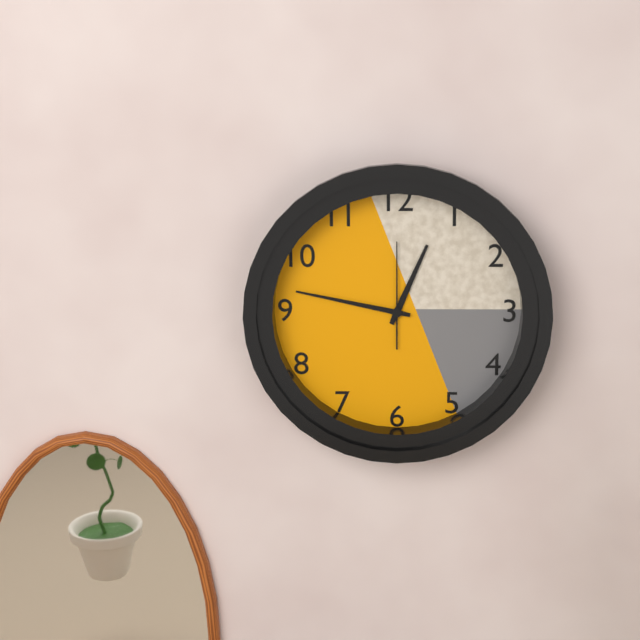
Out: 12:47:00
